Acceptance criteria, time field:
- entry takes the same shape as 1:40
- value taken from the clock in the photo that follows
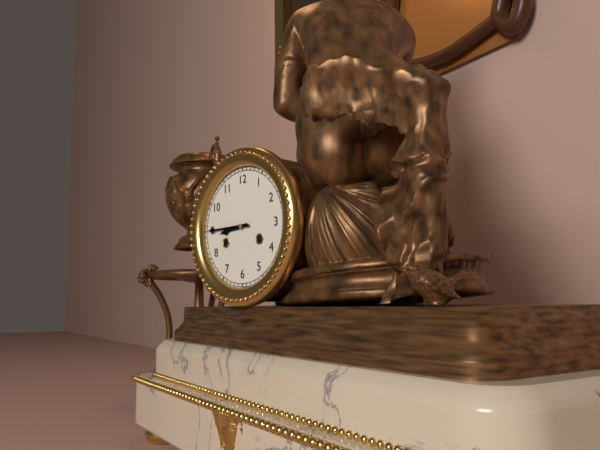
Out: 8:45
